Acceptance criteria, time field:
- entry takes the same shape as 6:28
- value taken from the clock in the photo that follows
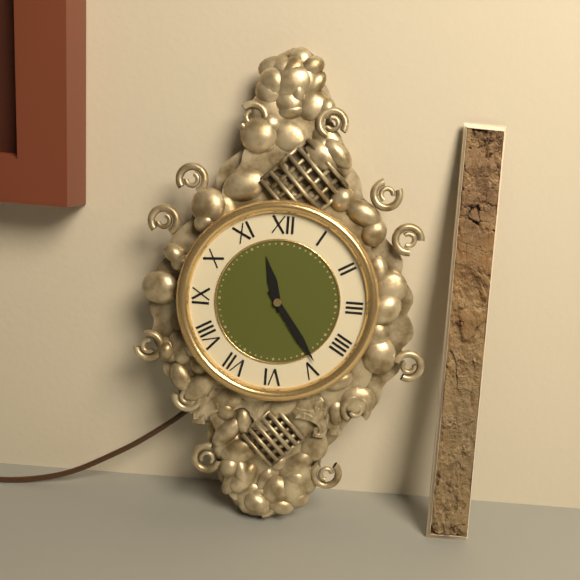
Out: 11:24
